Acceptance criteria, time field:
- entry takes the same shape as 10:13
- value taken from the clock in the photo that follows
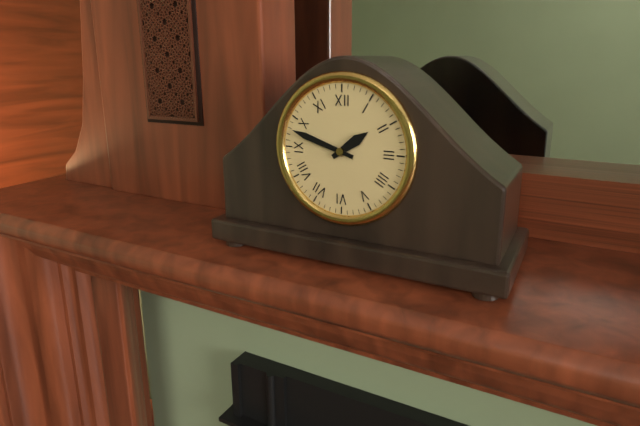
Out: 1:48
